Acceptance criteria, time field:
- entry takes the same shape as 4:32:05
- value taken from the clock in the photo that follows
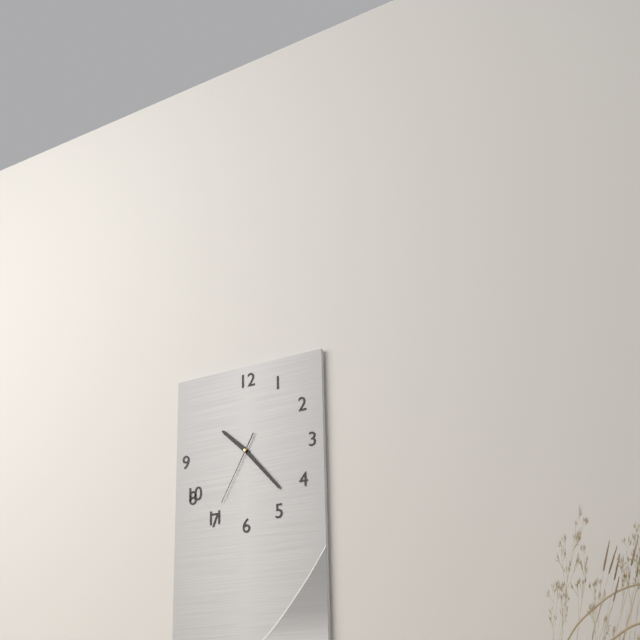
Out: 10:23:35
